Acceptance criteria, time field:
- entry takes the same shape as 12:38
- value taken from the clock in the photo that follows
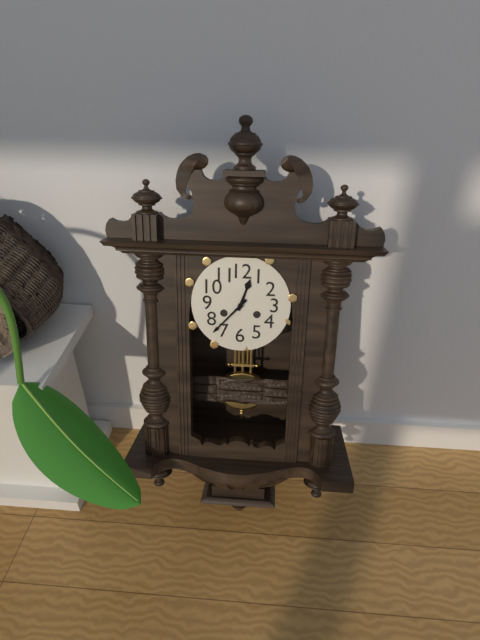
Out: 12:37
